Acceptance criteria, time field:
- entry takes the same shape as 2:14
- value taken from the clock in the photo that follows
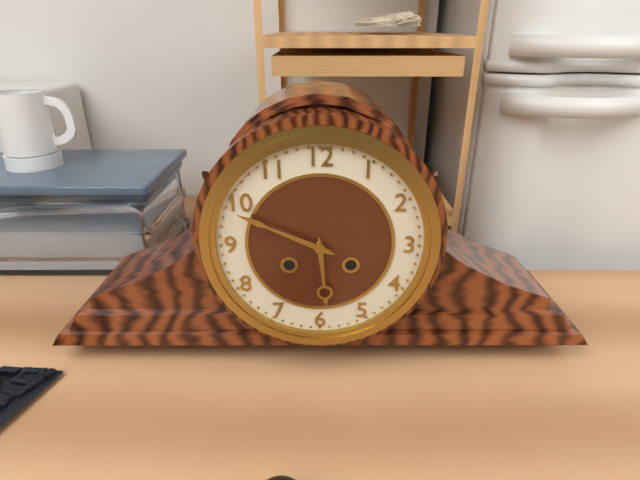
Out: 5:49
